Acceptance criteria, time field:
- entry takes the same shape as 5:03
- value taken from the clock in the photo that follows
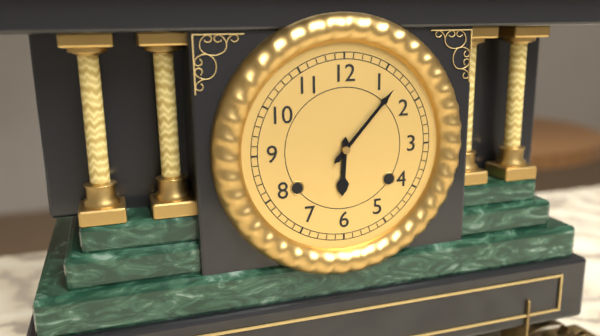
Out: 6:07
